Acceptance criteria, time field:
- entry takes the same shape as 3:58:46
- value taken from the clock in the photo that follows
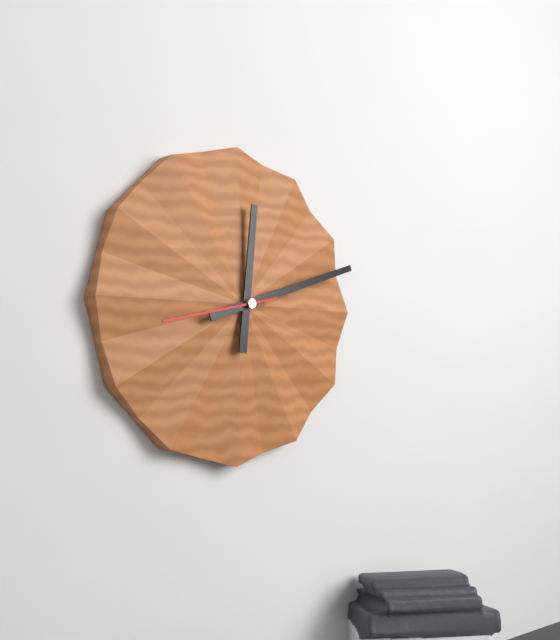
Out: 12:12:43
